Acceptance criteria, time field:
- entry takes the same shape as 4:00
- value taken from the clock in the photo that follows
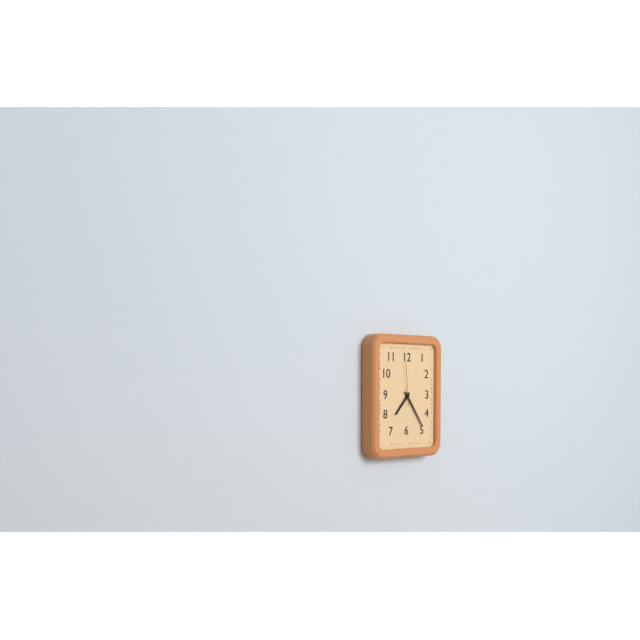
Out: 7:24
